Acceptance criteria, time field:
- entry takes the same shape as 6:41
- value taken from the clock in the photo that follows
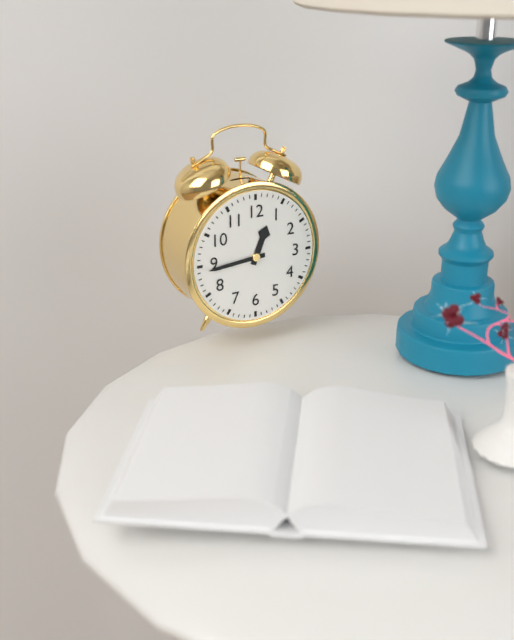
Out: 12:44
